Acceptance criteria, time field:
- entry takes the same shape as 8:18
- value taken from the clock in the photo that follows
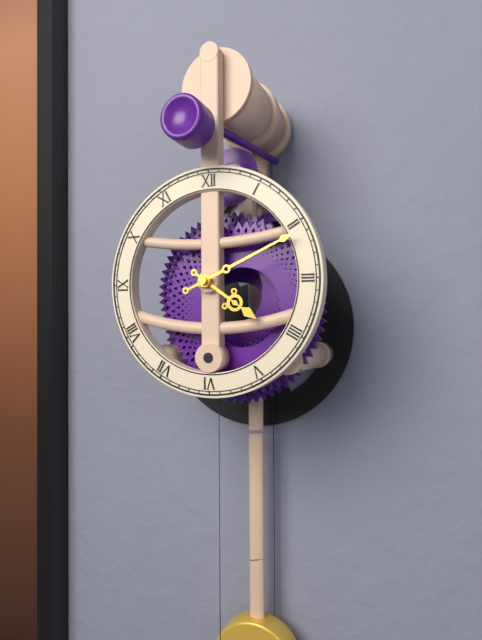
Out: 4:11
